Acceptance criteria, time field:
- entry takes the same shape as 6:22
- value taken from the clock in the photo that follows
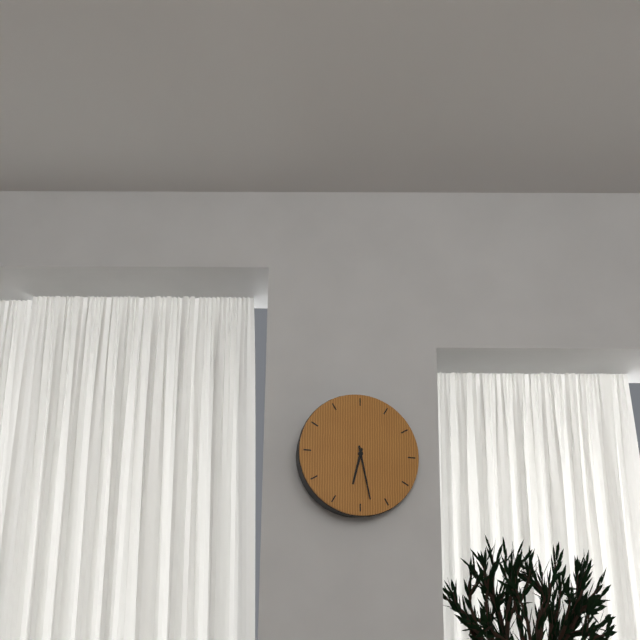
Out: 6:28
